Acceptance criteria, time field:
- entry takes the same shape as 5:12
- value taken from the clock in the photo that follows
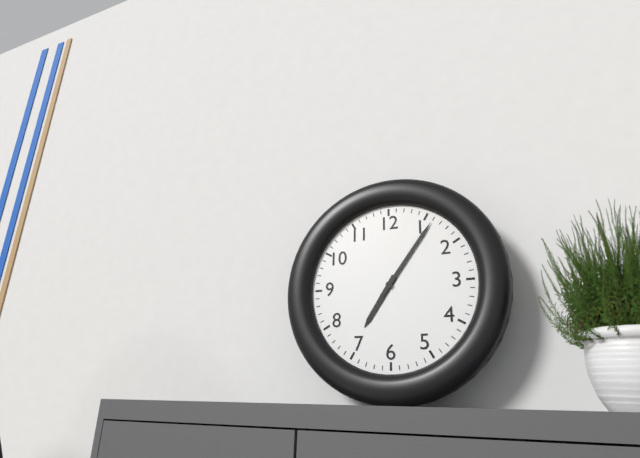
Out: 7:06
